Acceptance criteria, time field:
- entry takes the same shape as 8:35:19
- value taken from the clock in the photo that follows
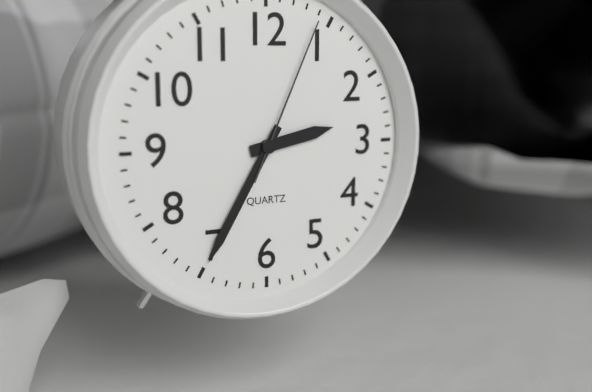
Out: 2:35:04
